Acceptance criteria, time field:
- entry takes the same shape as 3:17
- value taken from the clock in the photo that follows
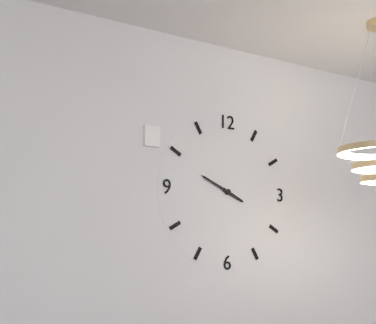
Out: 3:49
